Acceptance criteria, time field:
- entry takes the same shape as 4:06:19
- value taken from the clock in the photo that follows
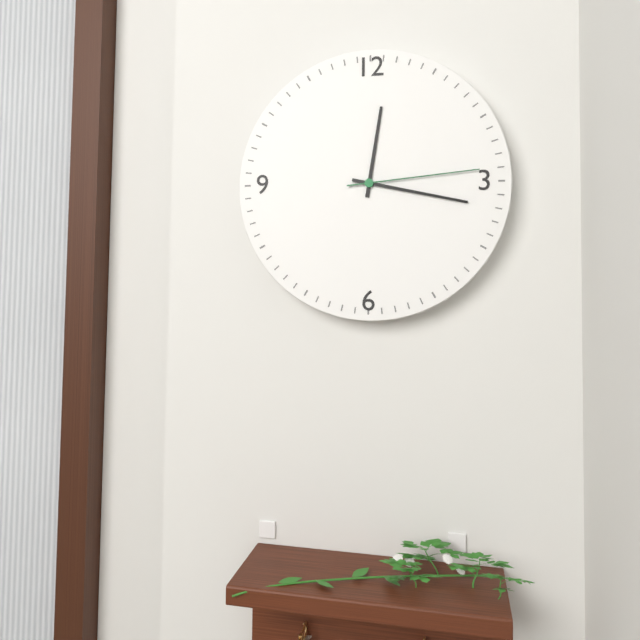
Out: 12:17:14
